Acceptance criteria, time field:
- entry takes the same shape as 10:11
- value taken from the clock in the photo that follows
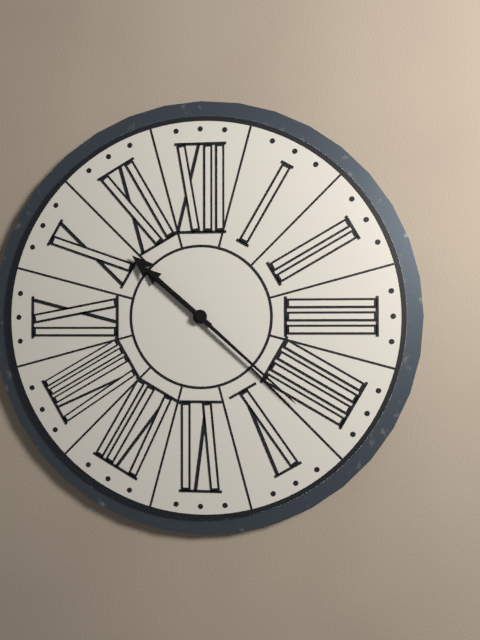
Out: 10:22
